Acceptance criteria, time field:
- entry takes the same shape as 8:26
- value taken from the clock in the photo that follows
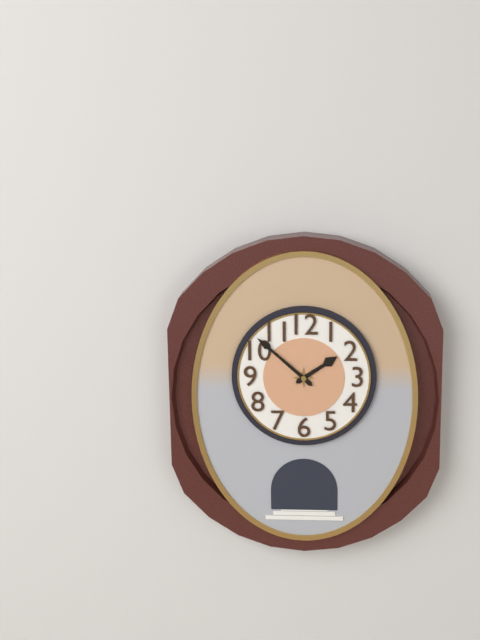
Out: 1:52
